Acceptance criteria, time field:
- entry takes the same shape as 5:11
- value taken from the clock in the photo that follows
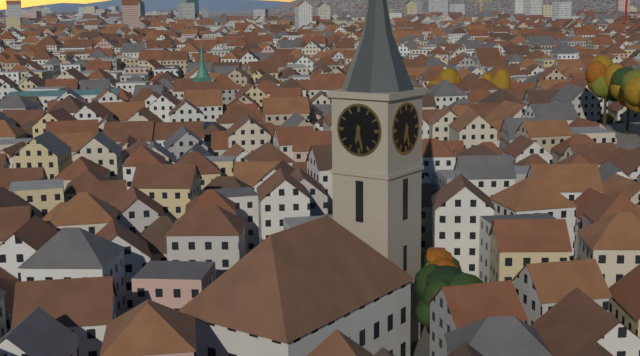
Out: 6:28
